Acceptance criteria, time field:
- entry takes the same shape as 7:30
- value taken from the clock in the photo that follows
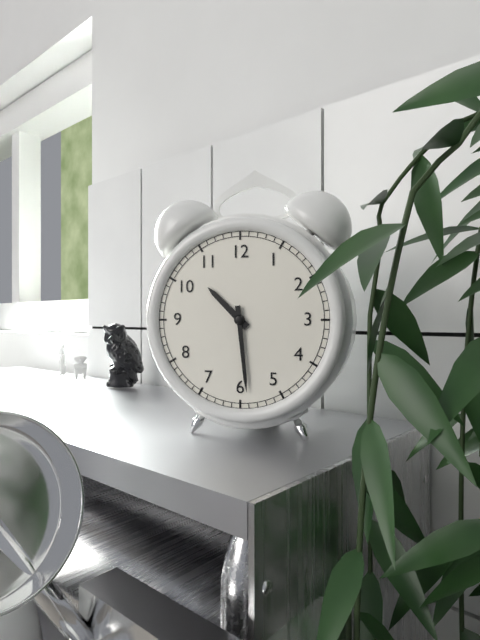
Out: 10:29
